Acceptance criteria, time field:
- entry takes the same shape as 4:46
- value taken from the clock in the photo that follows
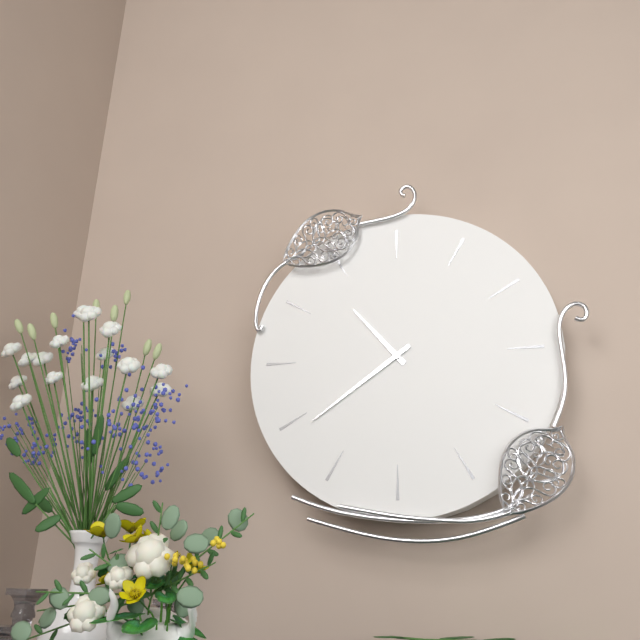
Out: 10:39
